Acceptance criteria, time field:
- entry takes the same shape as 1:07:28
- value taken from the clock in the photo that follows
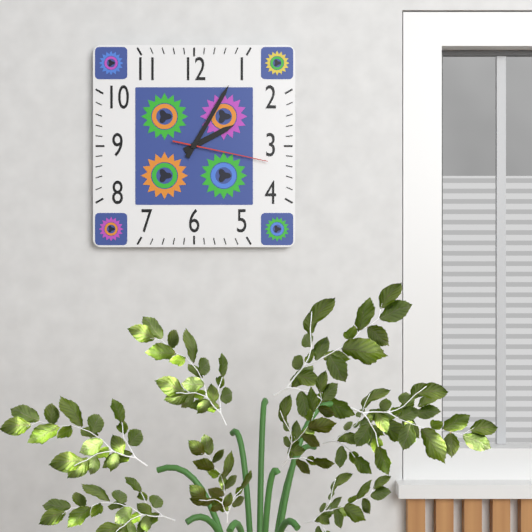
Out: 2:05:17
